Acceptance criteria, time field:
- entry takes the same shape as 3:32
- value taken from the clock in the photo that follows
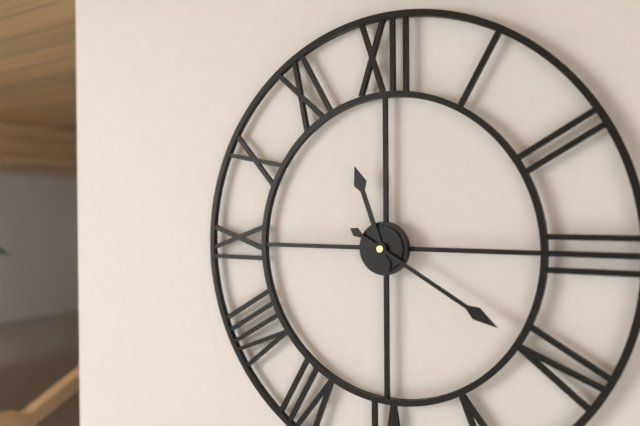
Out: 11:20
